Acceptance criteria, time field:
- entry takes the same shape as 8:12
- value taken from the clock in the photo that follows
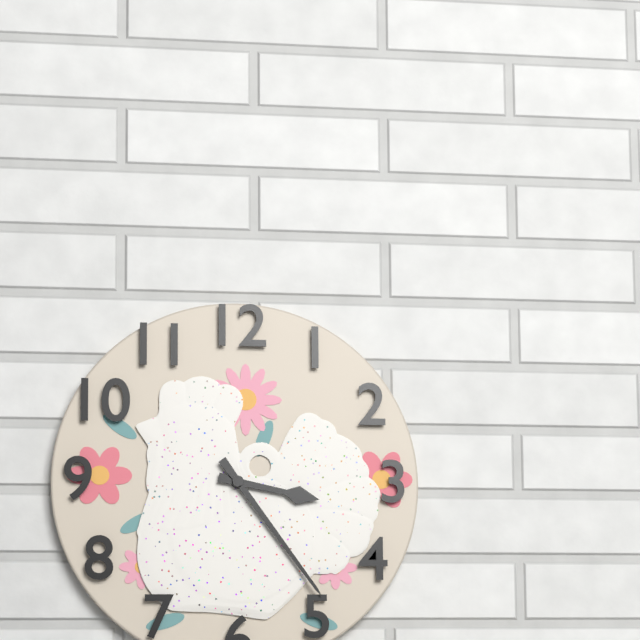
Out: 3:24
